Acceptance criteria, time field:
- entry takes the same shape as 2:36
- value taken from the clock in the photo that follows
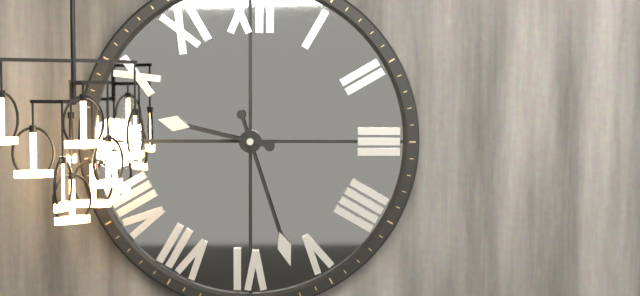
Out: 9:27
